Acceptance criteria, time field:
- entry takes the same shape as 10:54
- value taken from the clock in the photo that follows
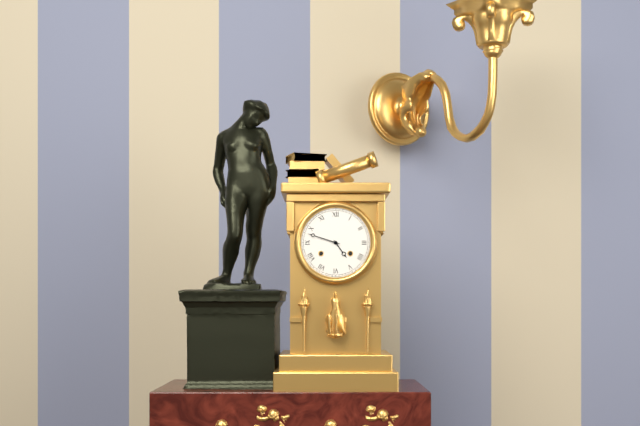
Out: 4:48
